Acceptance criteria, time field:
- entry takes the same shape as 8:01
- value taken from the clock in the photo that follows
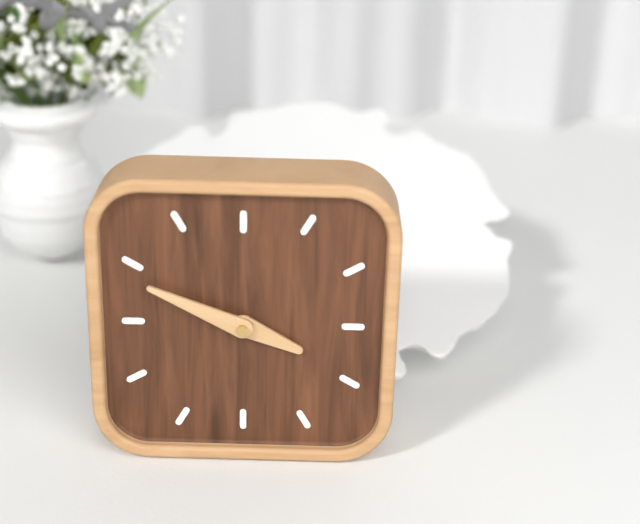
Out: 3:49
